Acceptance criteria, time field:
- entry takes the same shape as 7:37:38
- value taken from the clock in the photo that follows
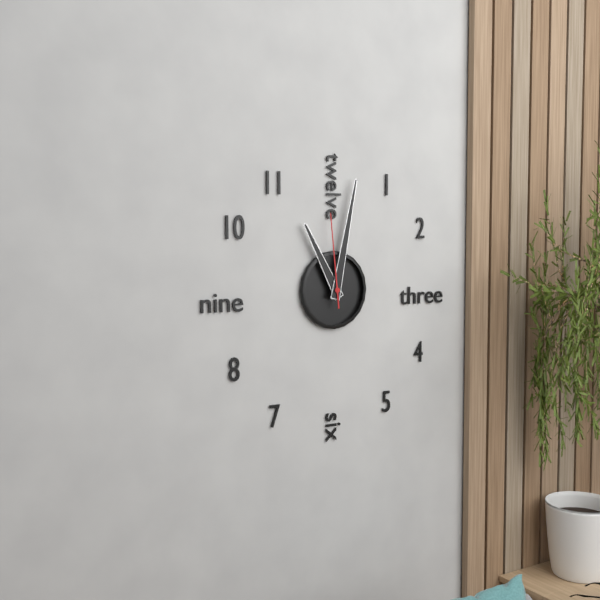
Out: 11:02:59
